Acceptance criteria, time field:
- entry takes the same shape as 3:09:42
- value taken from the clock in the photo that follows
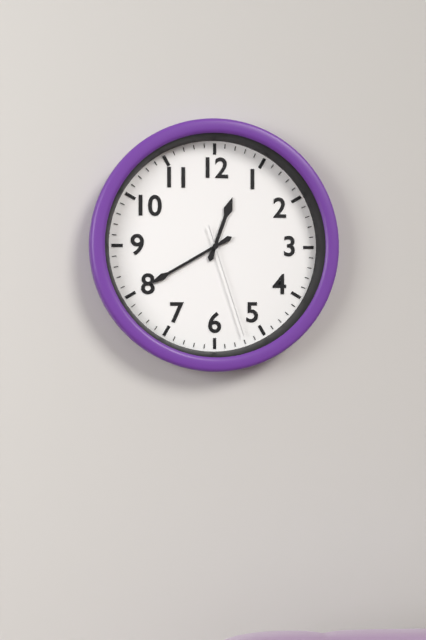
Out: 12:40:27
